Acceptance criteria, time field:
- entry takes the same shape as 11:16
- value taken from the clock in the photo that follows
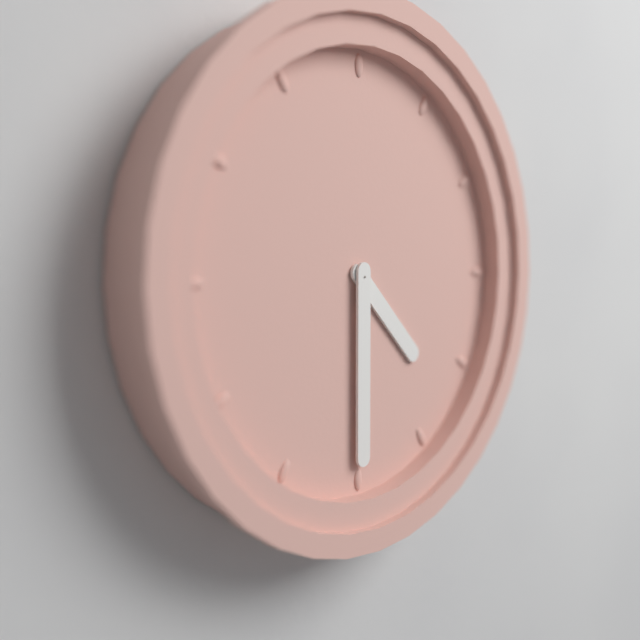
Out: 4:30
